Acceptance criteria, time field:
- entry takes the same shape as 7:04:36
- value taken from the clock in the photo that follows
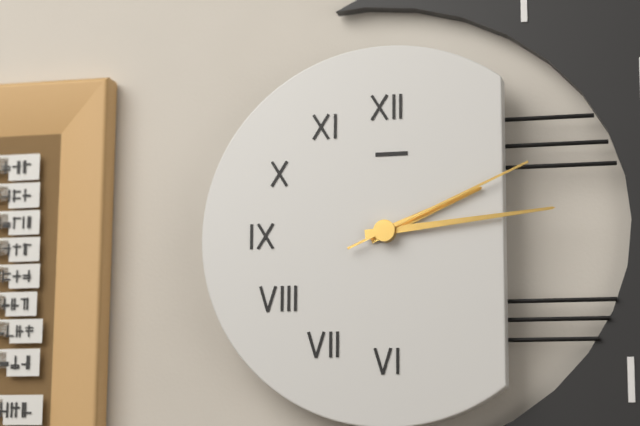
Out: 2:14:11
